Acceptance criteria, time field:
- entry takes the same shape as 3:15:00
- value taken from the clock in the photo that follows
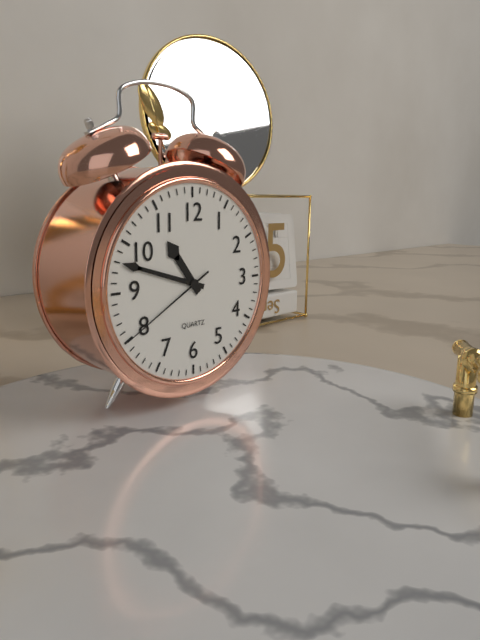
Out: 10:48:40
